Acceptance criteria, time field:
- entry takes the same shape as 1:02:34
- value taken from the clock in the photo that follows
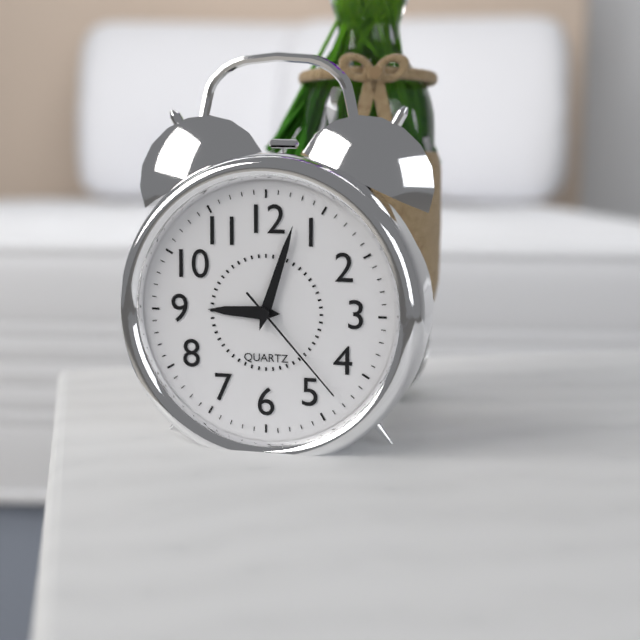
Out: 9:03:23
